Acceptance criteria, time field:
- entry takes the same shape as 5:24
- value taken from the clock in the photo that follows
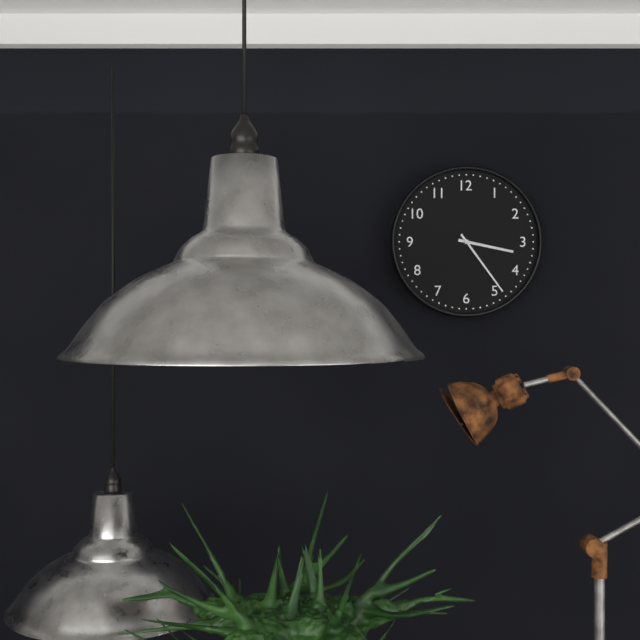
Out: 3:24
